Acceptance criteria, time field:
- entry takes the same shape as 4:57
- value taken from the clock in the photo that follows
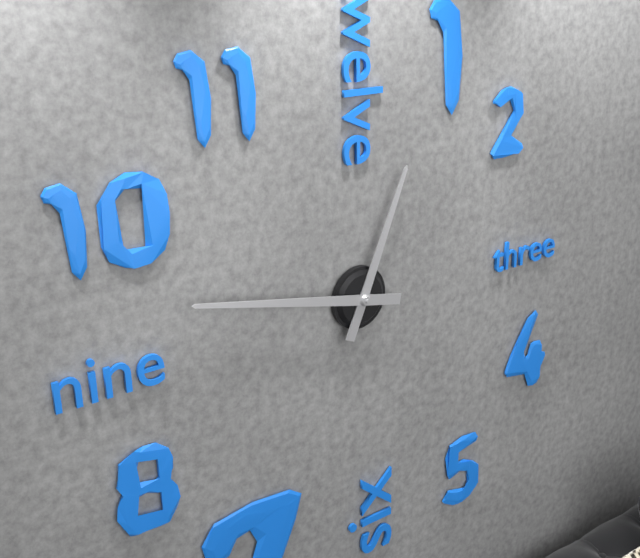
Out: 12:47
